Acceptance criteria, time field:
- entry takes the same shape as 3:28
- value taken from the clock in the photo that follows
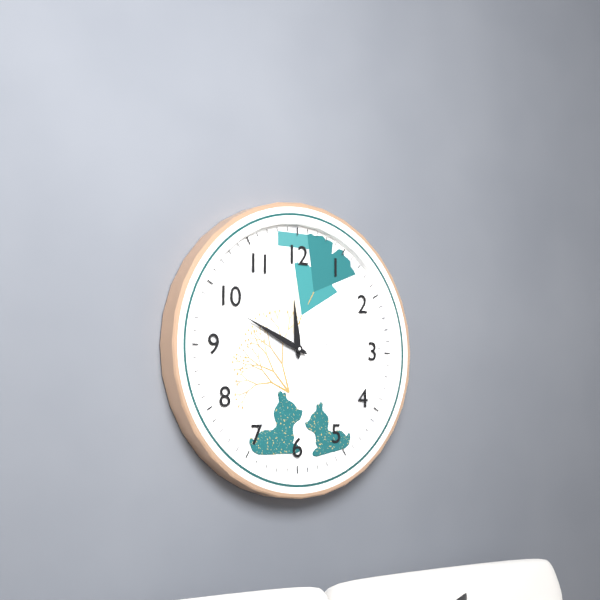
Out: 11:49
